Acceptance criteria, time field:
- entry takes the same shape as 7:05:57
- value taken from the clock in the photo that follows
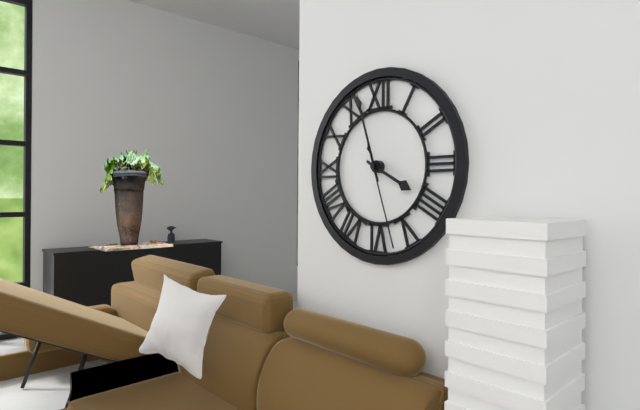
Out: 3:57:27
